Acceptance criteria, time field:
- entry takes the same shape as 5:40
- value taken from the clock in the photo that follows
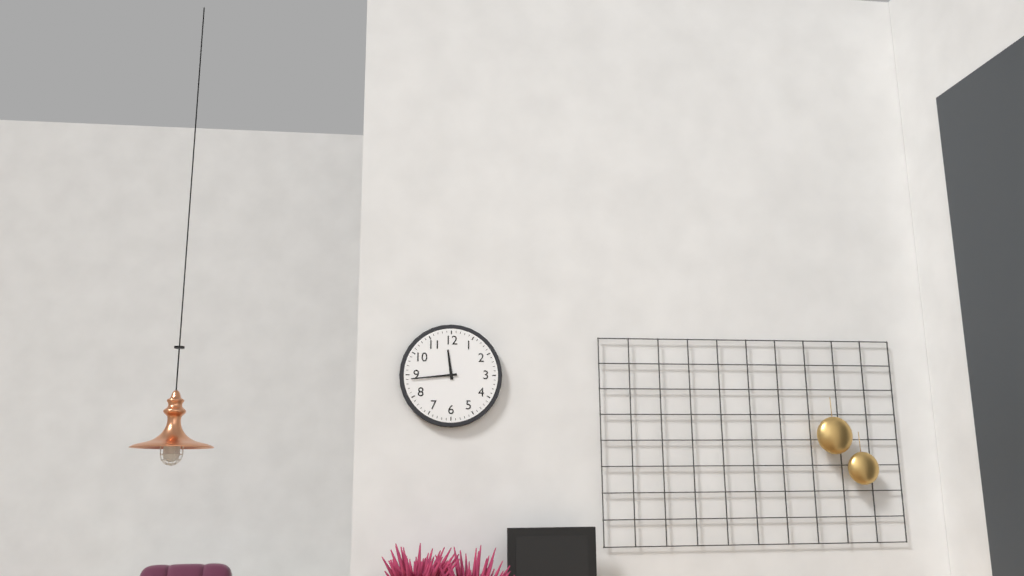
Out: 11:44
